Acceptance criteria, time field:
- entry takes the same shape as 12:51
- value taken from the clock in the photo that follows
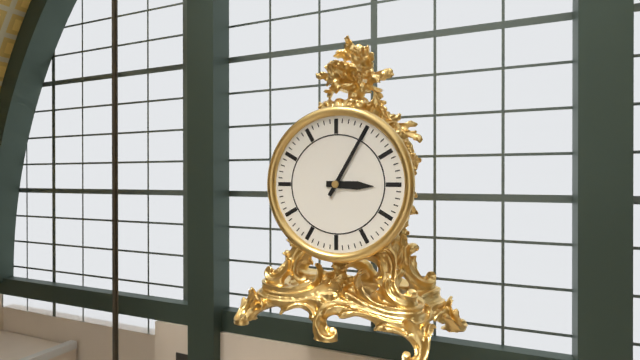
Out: 3:05
